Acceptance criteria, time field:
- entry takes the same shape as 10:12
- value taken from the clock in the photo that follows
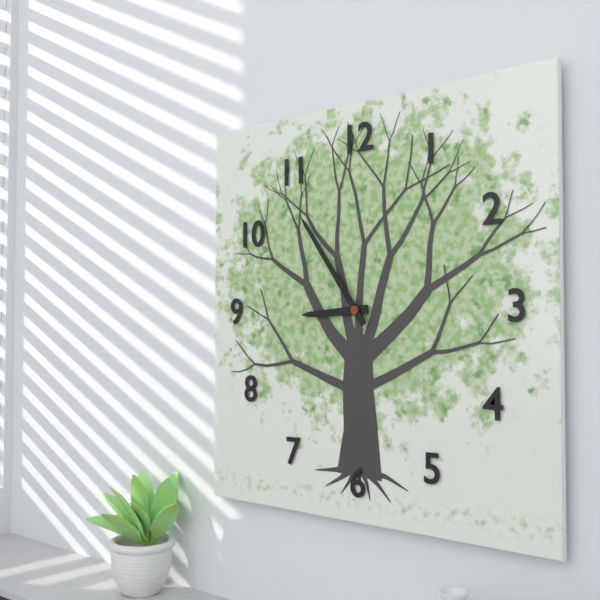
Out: 8:54
